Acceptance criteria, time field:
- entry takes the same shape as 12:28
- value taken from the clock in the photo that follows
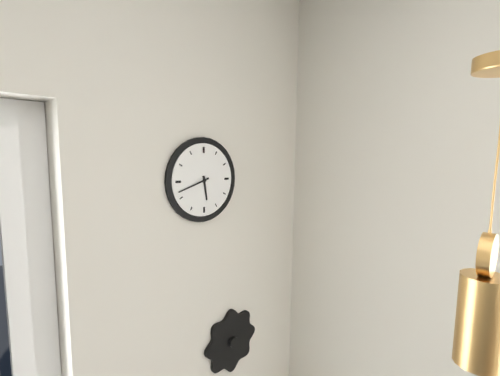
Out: 5:42
